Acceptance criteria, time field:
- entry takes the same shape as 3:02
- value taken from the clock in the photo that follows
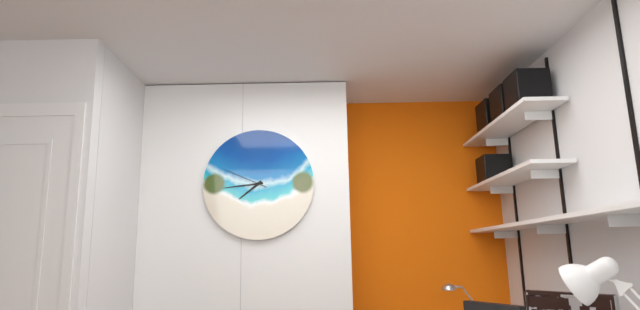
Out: 7:44
